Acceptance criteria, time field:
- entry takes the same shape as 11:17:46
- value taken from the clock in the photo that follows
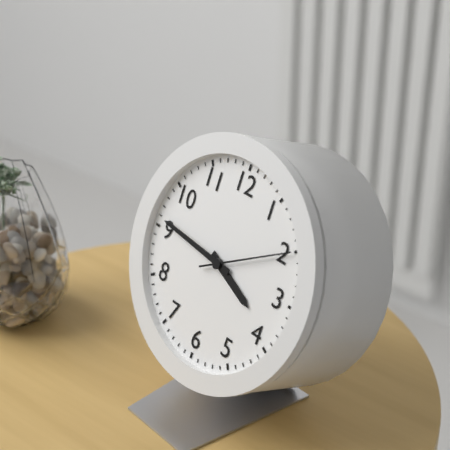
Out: 3:46:10
